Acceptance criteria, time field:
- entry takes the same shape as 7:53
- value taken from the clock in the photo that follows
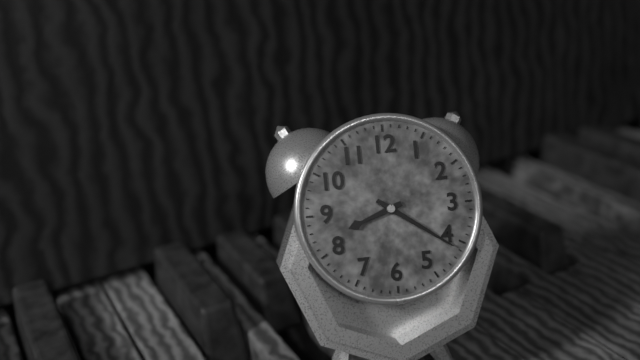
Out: 8:21
